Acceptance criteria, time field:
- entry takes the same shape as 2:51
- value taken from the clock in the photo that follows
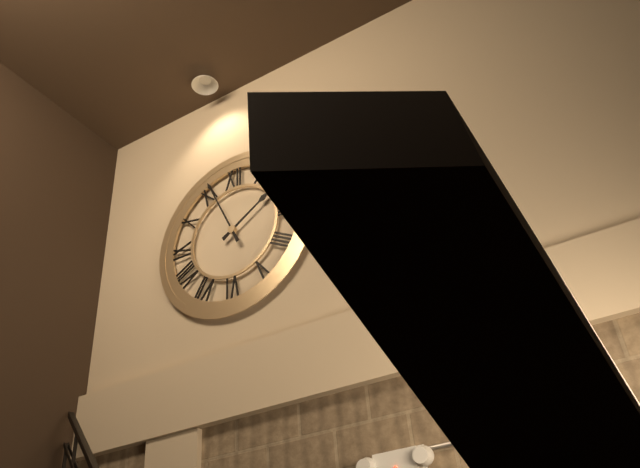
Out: 1:56
